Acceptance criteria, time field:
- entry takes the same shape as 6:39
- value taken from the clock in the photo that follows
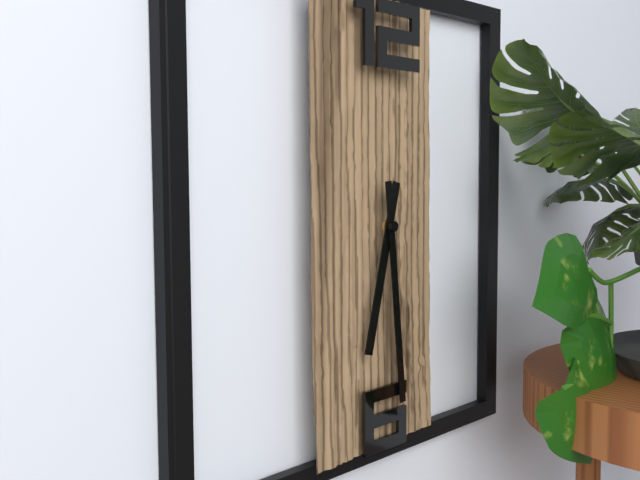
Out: 6:29
